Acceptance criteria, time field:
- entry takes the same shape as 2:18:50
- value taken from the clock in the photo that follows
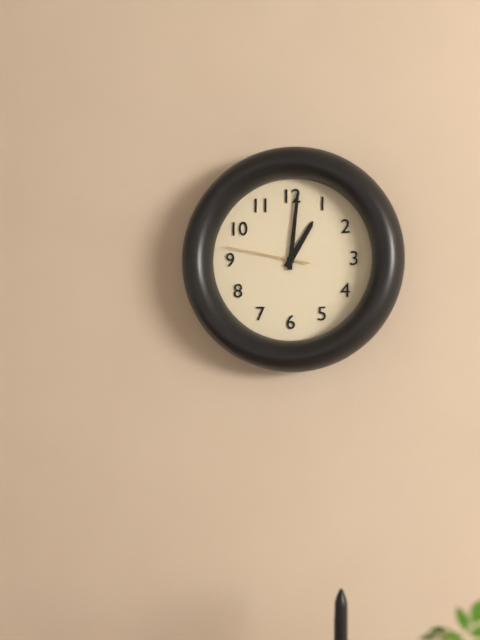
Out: 1:01:47
